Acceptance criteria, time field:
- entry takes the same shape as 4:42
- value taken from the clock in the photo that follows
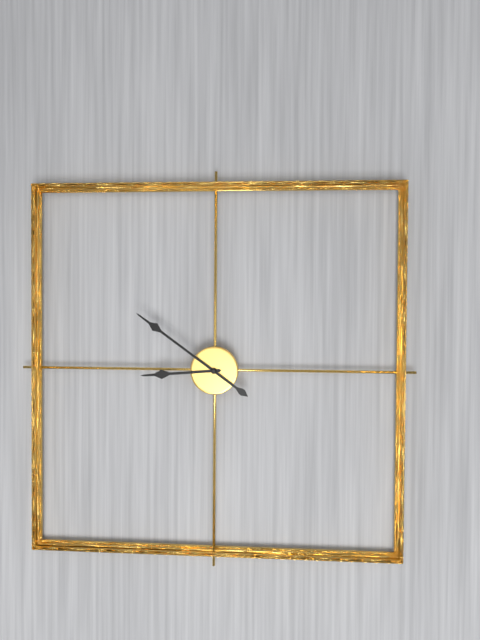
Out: 8:51
